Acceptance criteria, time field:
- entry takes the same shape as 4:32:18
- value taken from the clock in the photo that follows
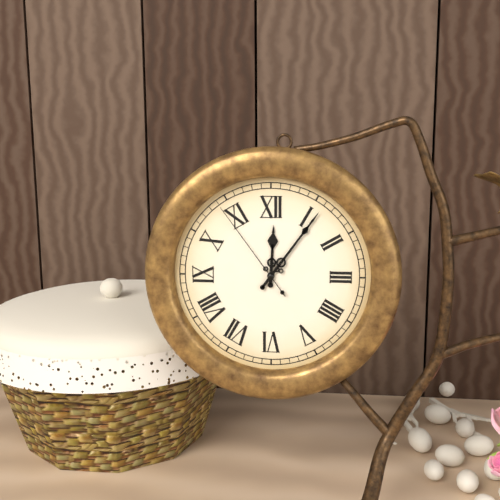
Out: 12:06:54
